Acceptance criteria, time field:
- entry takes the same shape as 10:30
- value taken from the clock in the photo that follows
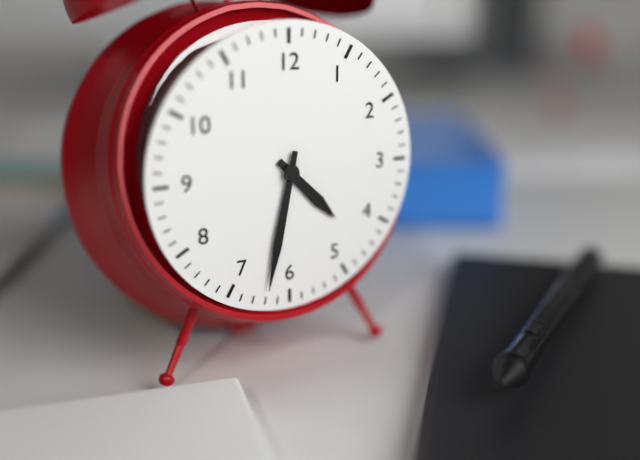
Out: 4:32
